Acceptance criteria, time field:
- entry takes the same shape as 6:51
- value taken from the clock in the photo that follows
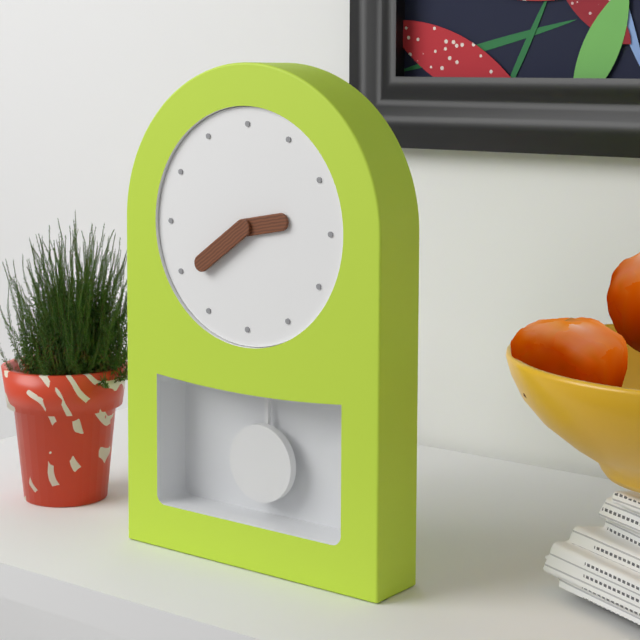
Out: 2:39
